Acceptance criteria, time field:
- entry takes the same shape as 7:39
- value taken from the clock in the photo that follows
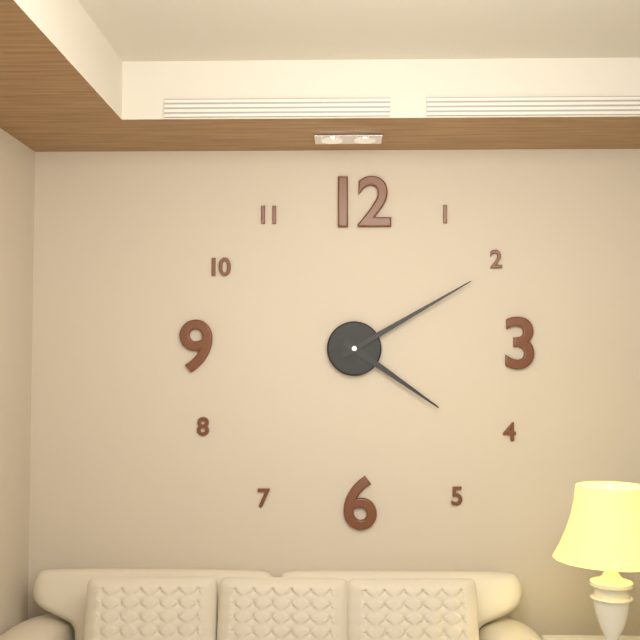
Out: 4:10
